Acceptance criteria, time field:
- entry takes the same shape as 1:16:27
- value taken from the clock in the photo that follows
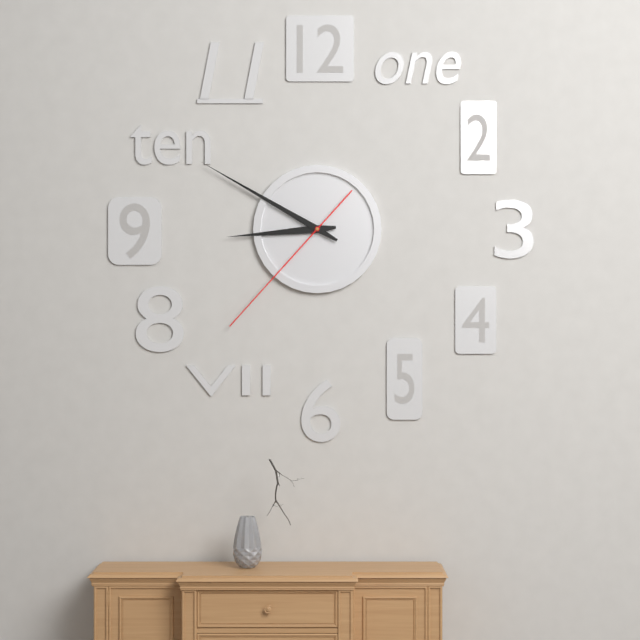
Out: 8:50:37
